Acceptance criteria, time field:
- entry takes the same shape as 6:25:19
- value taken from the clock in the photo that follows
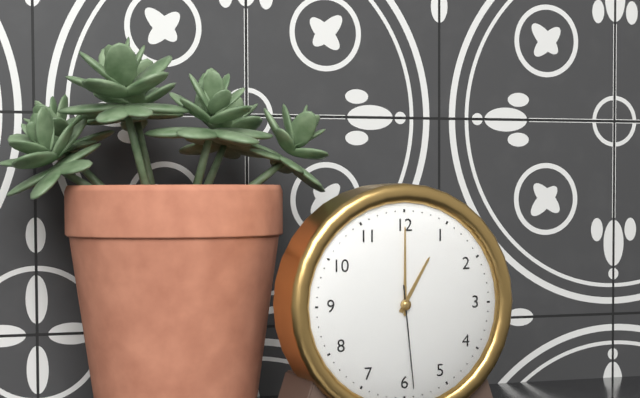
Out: 1:00:29
